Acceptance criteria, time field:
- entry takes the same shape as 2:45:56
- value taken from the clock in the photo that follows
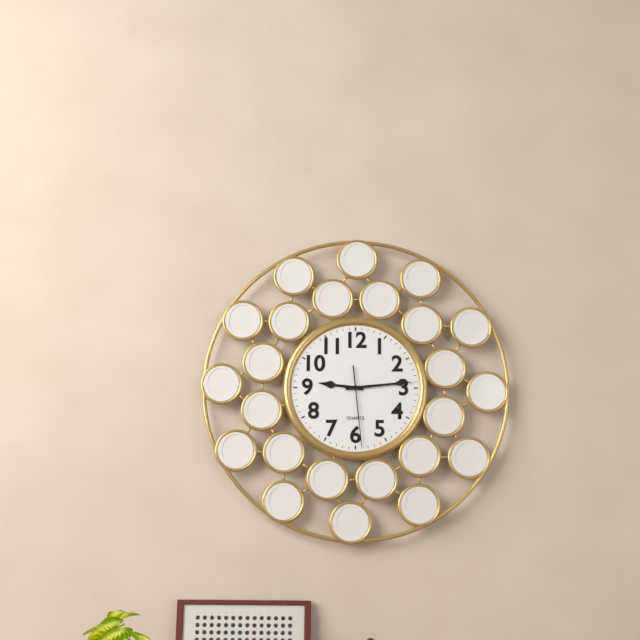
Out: 9:14:29
